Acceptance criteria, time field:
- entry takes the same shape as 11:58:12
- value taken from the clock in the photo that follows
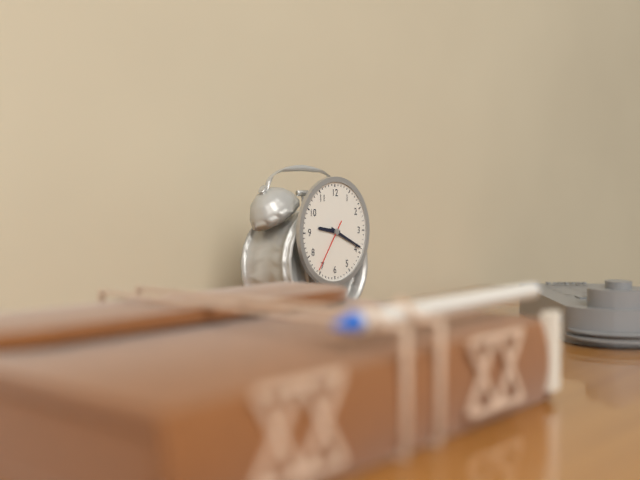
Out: 9:19:36
